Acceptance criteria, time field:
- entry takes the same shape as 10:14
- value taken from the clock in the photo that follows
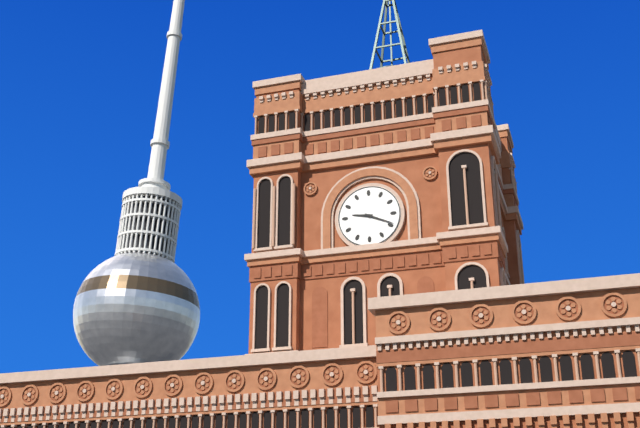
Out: 9:19
